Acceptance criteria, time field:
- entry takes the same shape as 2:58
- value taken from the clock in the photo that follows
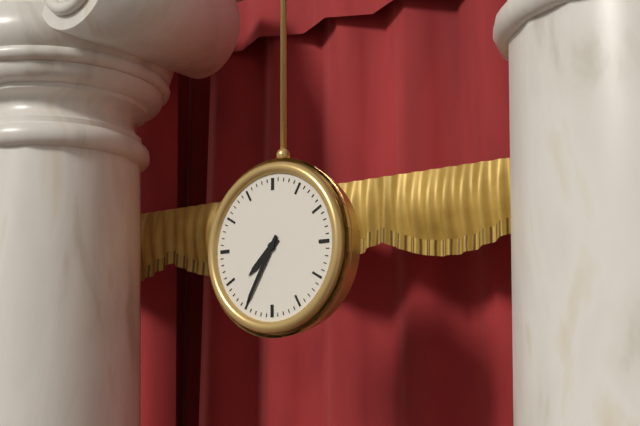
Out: 7:35
